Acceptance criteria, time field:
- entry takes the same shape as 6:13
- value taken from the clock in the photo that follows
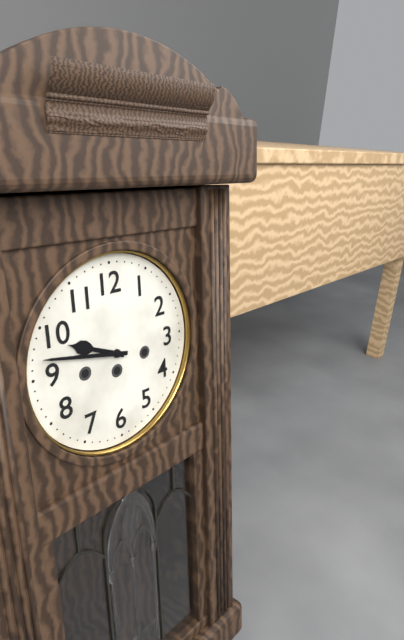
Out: 9:47
